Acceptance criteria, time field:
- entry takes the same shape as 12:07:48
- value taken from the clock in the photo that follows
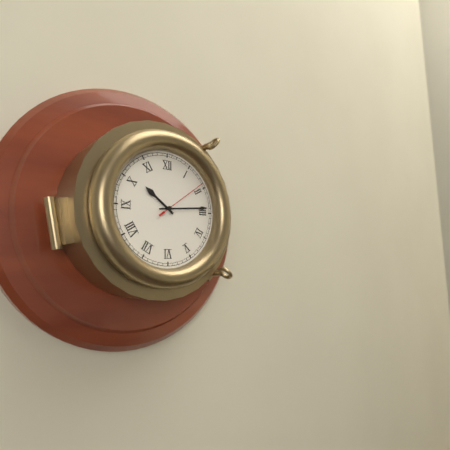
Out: 10:14:09
